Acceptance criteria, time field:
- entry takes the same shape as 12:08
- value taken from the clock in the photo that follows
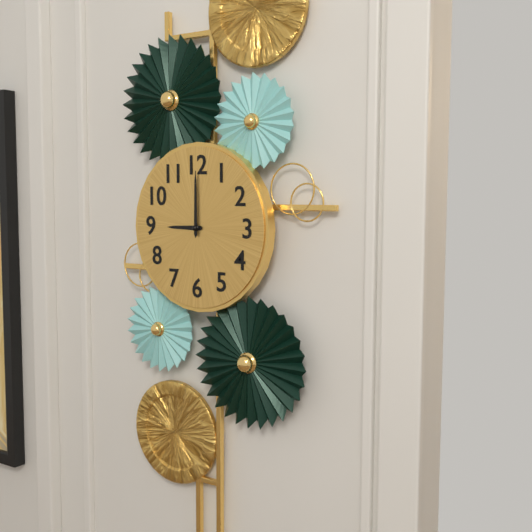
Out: 9:00
